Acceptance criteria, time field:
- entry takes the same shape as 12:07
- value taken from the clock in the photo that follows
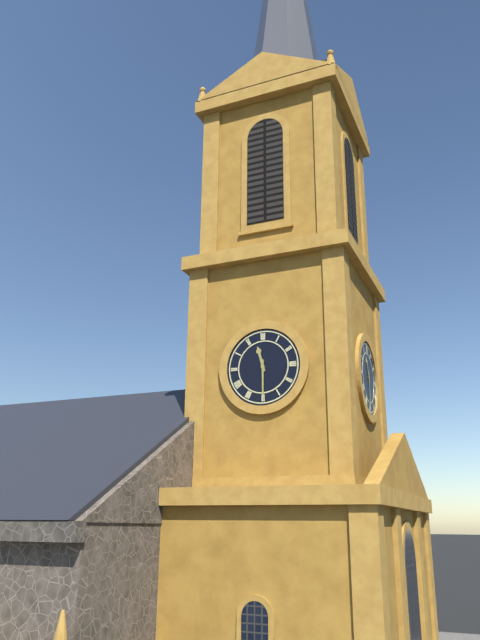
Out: 11:30
